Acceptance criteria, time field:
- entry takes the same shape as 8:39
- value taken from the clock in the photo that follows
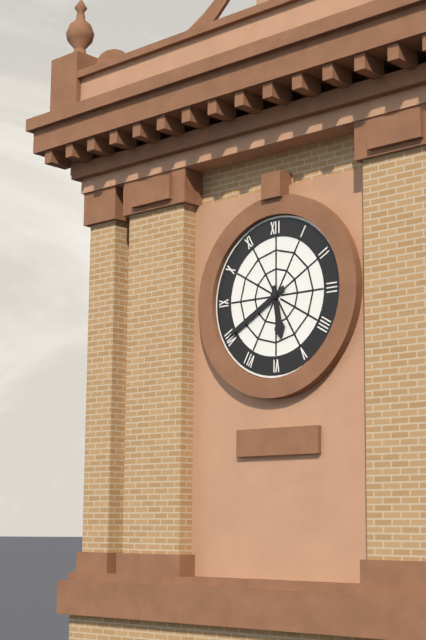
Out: 5:40
